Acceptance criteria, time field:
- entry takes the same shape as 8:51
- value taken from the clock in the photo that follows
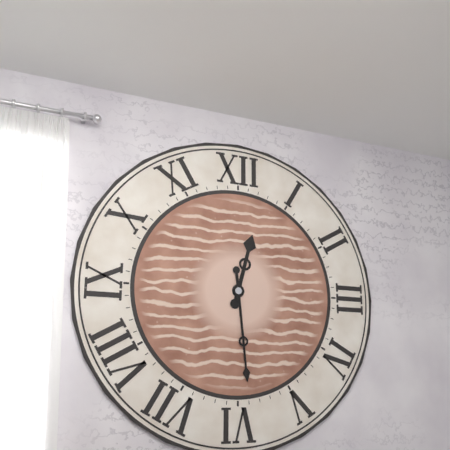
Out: 12:29
